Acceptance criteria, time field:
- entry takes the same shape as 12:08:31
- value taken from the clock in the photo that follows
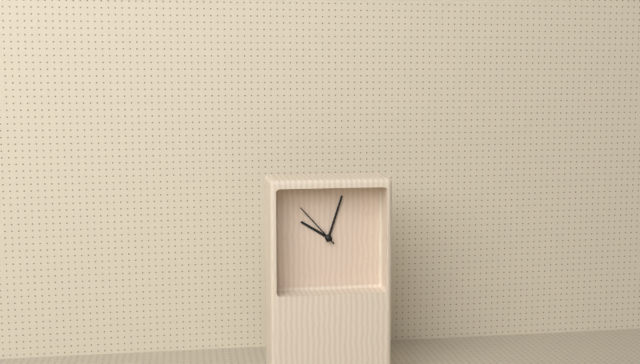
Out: 10:03:53
